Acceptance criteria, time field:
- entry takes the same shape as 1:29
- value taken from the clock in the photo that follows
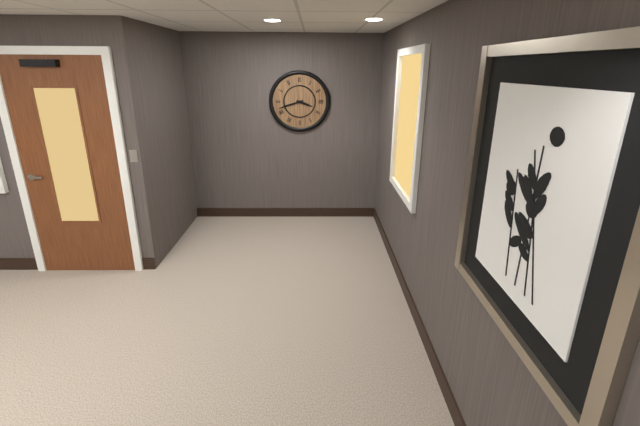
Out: 3:42
